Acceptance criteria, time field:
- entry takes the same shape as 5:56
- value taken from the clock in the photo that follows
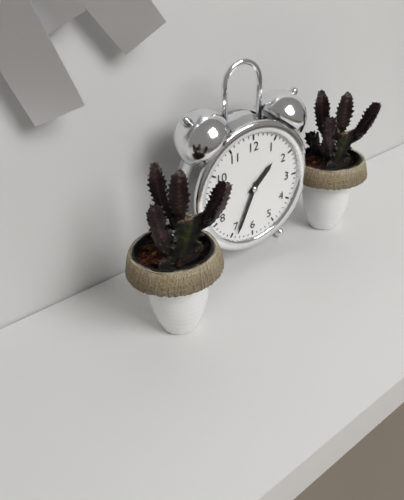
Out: 1:34
